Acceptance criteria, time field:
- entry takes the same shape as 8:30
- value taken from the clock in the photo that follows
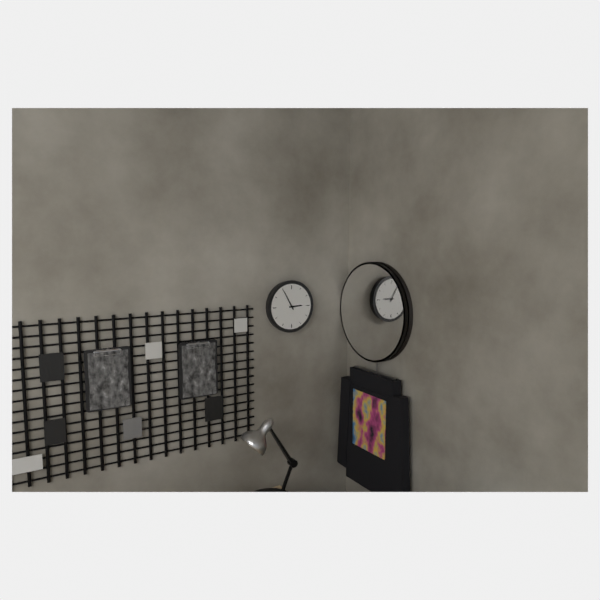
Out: 2:55
